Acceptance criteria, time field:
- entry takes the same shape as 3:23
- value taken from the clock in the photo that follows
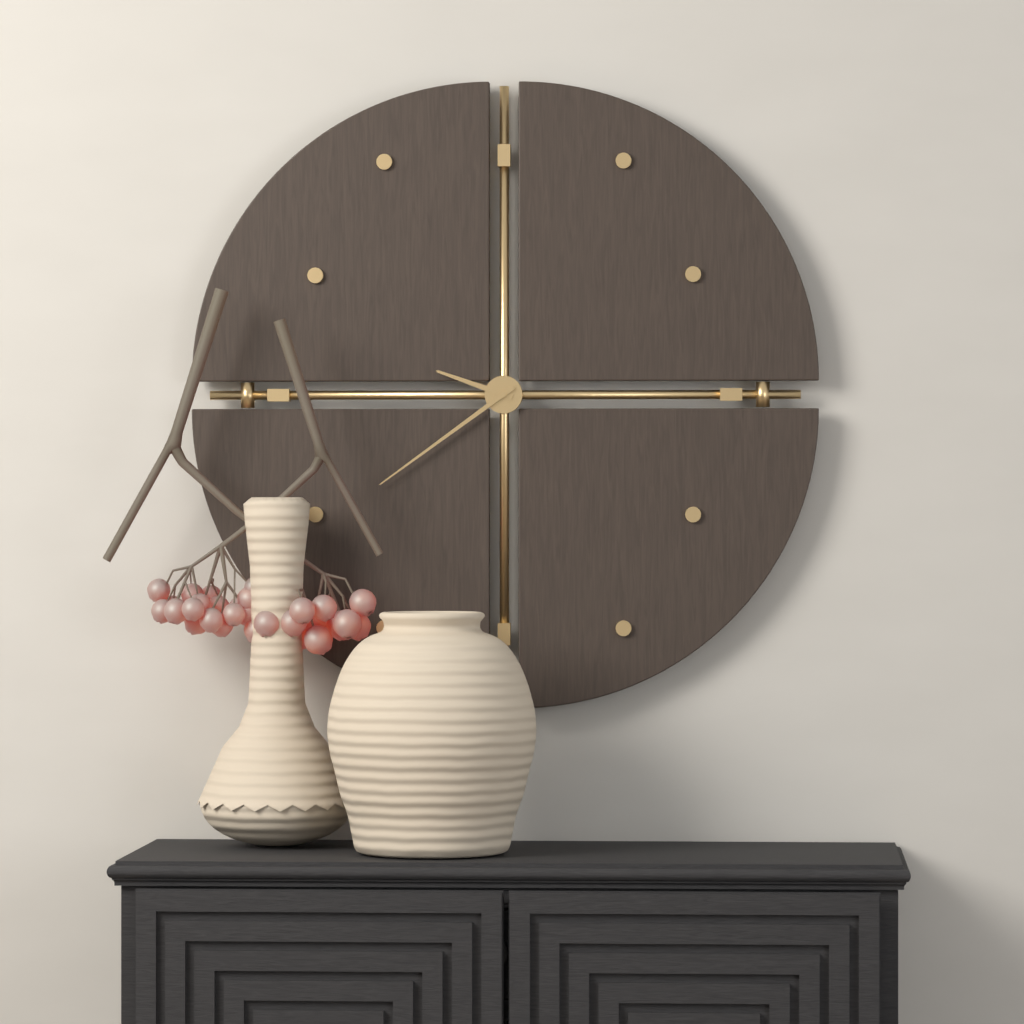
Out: 9:39
